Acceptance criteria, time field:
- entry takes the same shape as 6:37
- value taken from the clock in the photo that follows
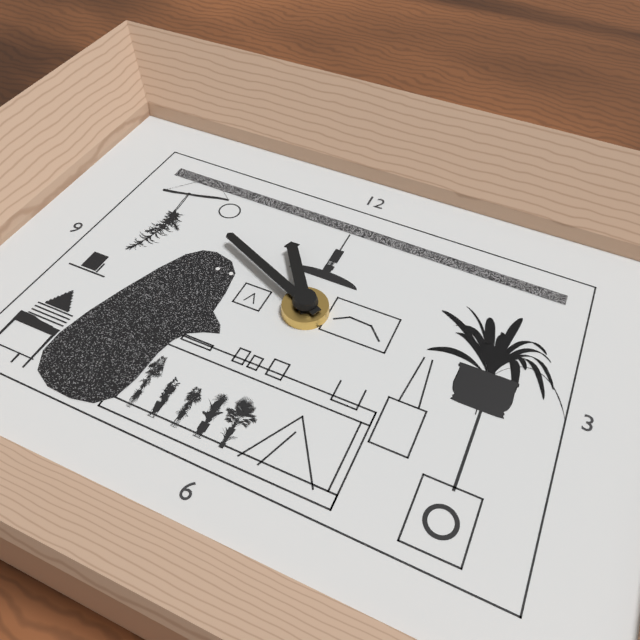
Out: 10:49
